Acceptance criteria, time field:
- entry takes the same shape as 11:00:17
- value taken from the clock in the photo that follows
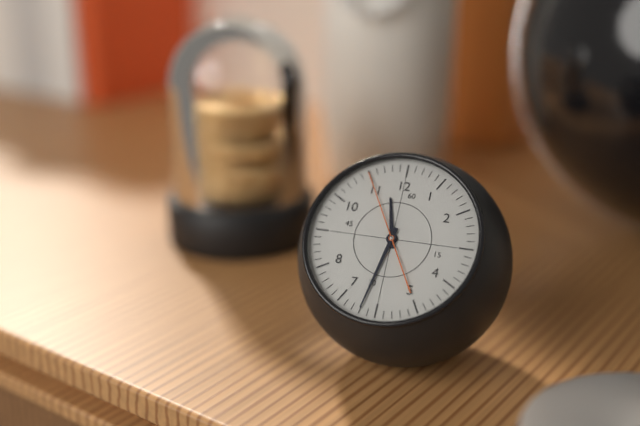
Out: 11:32:55
